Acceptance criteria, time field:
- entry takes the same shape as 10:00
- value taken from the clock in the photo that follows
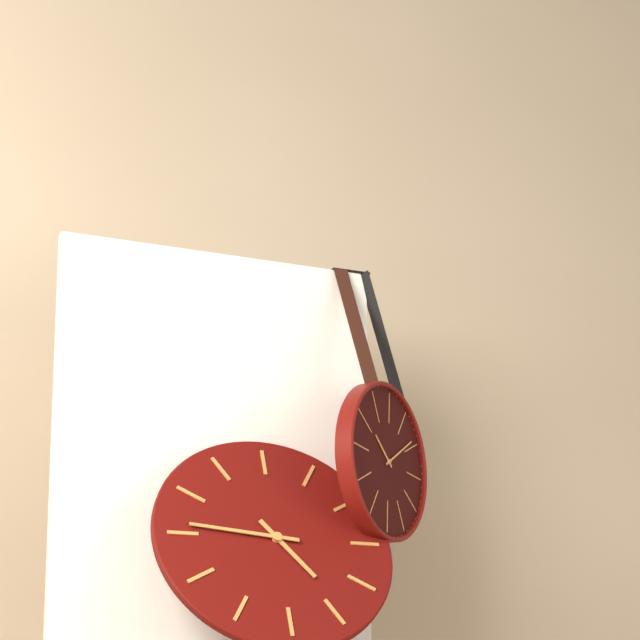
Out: 4:46
